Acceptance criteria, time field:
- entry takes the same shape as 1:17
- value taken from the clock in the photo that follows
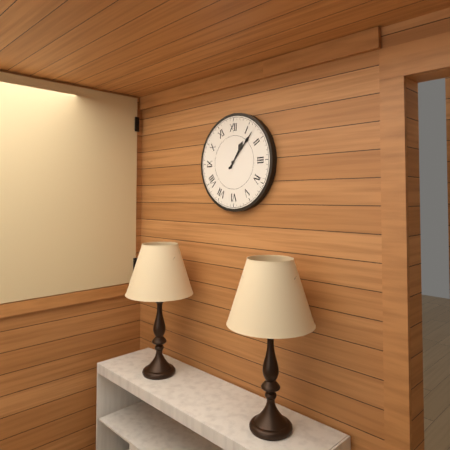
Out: 1:07
